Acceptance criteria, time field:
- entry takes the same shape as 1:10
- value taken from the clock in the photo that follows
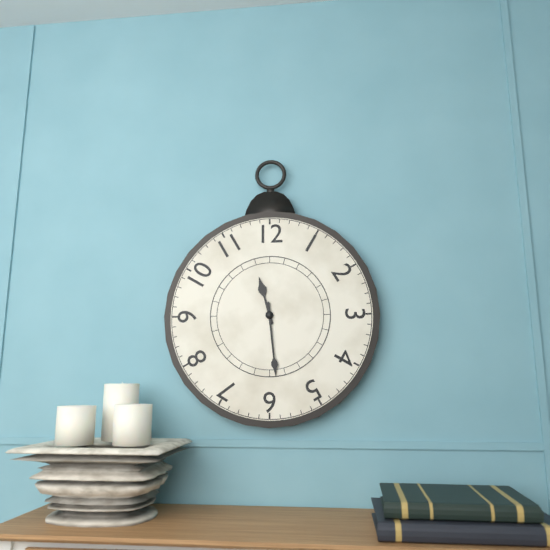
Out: 11:29
